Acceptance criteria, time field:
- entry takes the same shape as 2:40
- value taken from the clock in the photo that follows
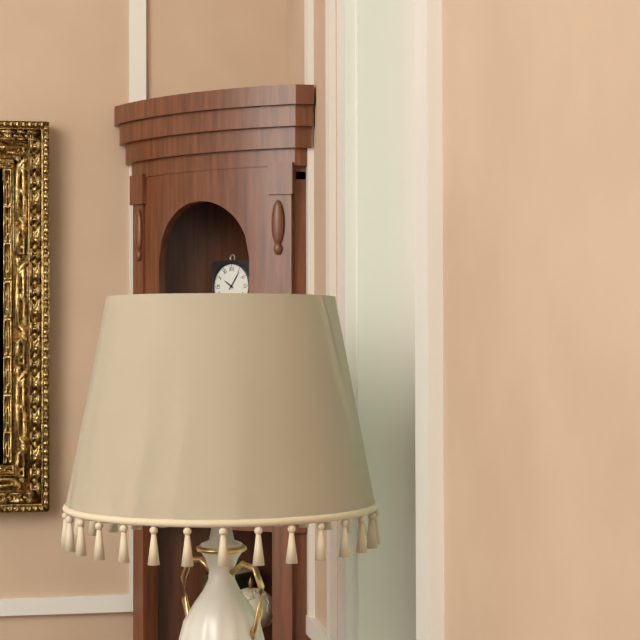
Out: 10:06
